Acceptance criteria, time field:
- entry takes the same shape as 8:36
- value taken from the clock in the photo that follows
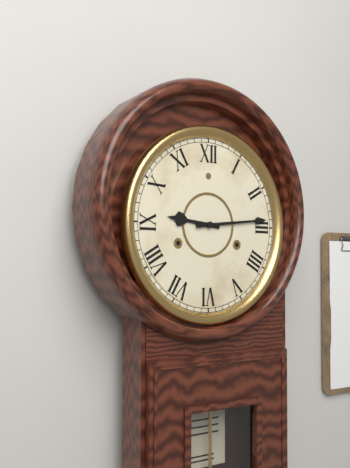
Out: 9:14
